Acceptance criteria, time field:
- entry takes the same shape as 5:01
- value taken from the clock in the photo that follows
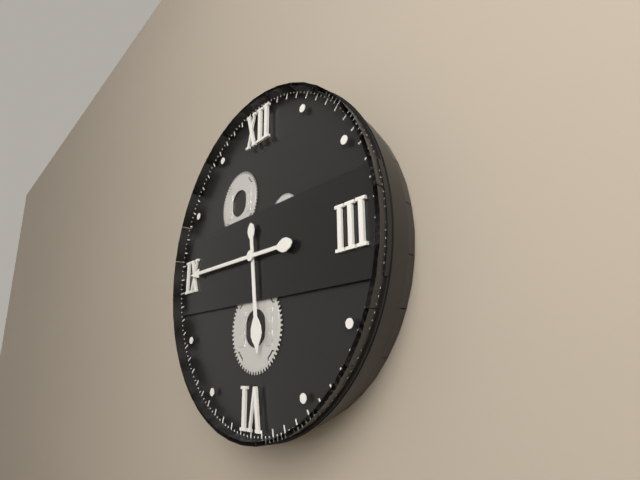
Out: 5:45
